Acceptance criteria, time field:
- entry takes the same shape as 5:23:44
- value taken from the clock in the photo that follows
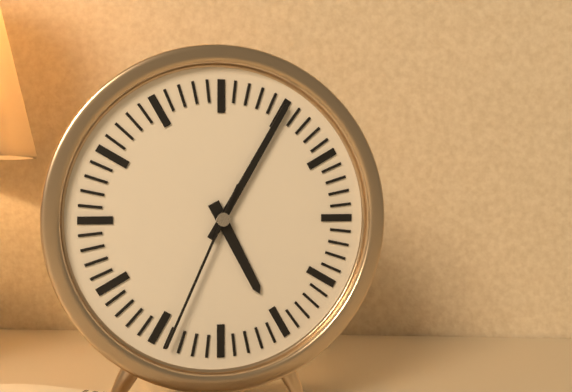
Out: 5:05:34
